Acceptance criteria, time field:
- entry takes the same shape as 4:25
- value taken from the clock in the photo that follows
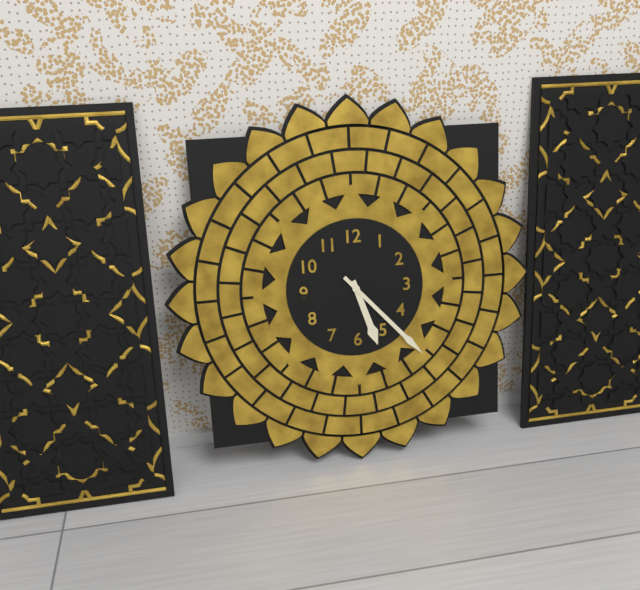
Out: 5:23
